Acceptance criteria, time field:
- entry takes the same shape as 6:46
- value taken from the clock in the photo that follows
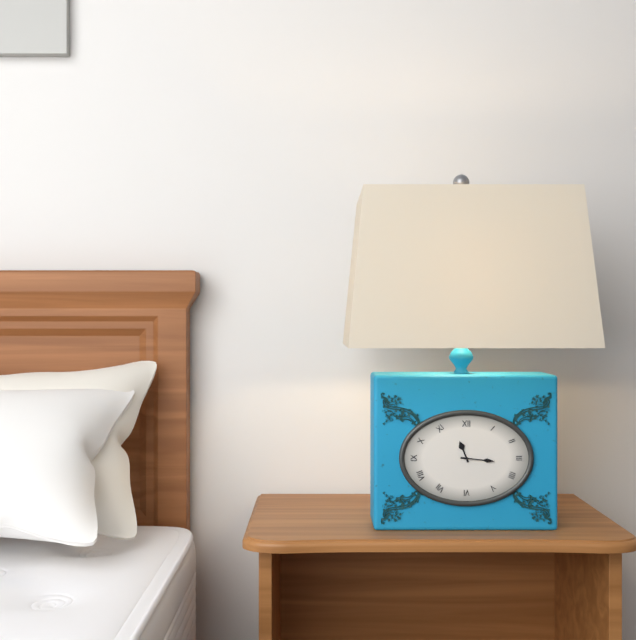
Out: 11:16
